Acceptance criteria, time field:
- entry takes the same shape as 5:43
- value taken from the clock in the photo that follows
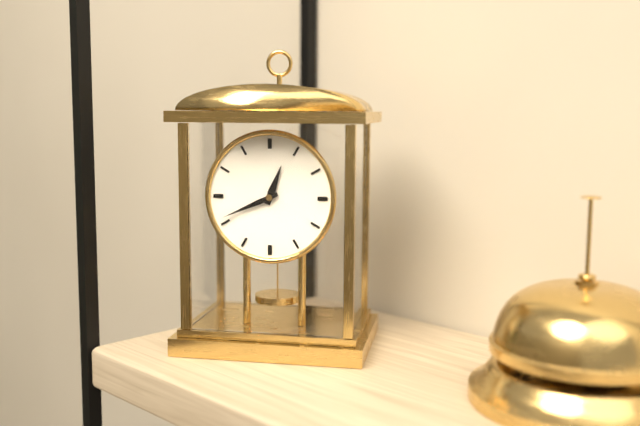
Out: 12:41
